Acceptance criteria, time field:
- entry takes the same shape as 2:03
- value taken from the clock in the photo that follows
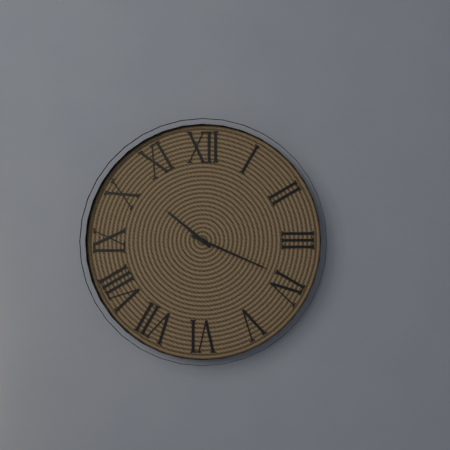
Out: 10:19
